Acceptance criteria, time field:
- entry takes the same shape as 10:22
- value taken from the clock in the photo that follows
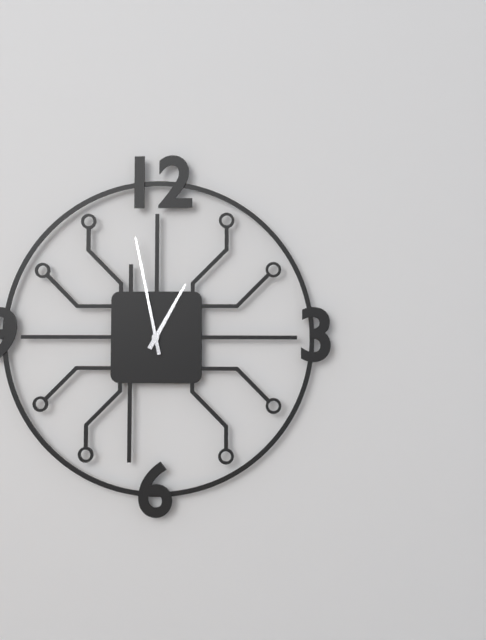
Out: 12:58
